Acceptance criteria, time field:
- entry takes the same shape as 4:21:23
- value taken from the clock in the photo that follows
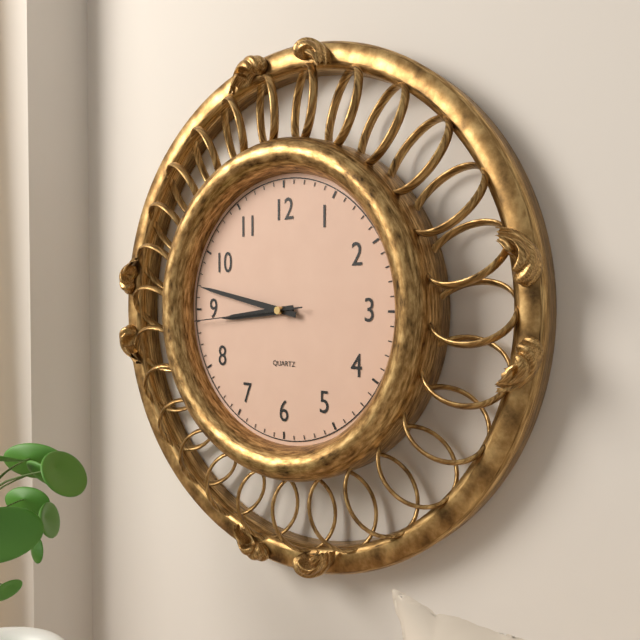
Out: 8:47:44
